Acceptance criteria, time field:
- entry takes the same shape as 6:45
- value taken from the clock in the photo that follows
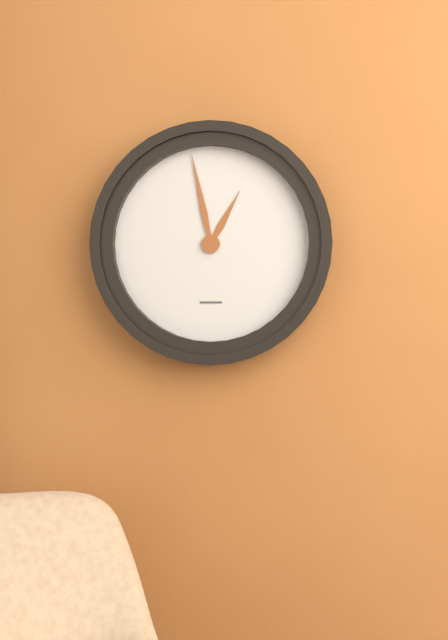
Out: 12:58
